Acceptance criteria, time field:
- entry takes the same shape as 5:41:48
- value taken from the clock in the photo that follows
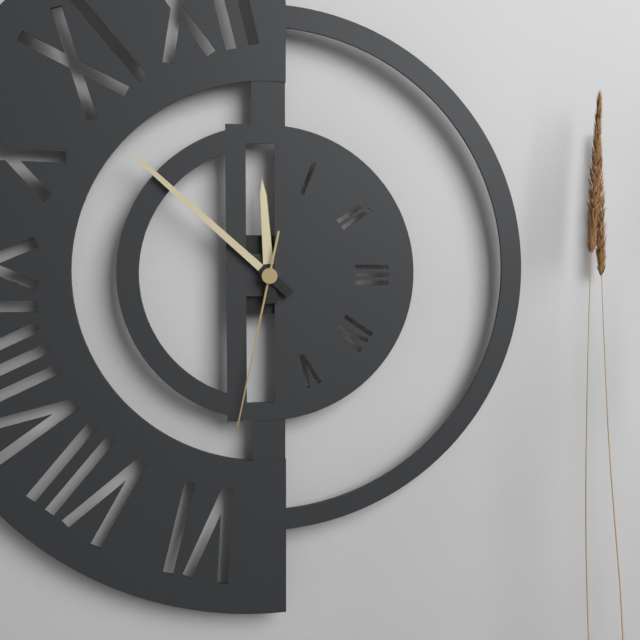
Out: 11:52:32
